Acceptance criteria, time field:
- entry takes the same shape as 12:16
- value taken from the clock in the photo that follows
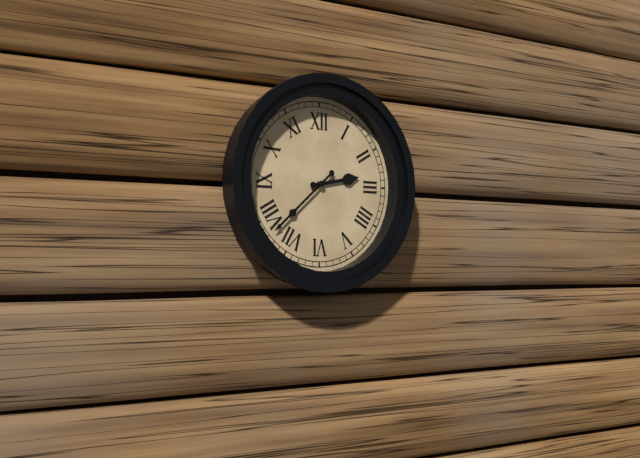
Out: 2:38
